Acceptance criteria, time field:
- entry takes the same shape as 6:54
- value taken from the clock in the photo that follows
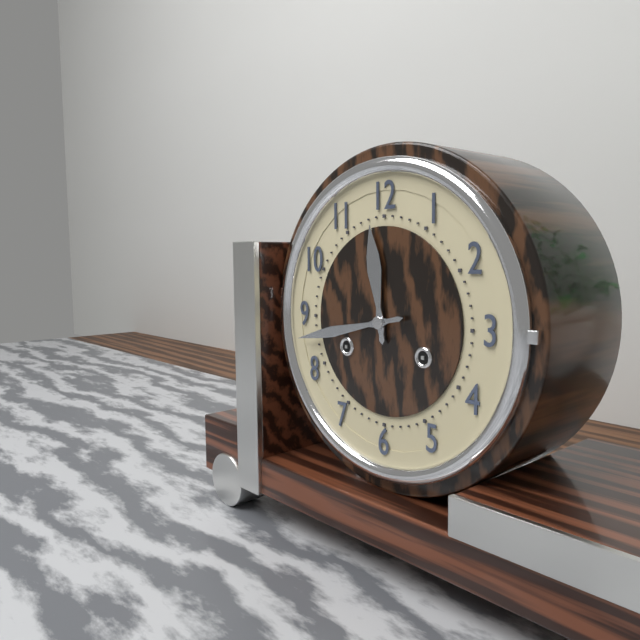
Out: 11:43
